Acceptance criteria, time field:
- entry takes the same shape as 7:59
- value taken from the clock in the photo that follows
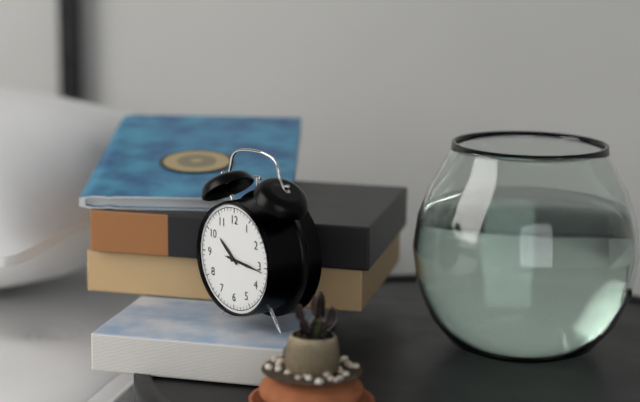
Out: 10:16
